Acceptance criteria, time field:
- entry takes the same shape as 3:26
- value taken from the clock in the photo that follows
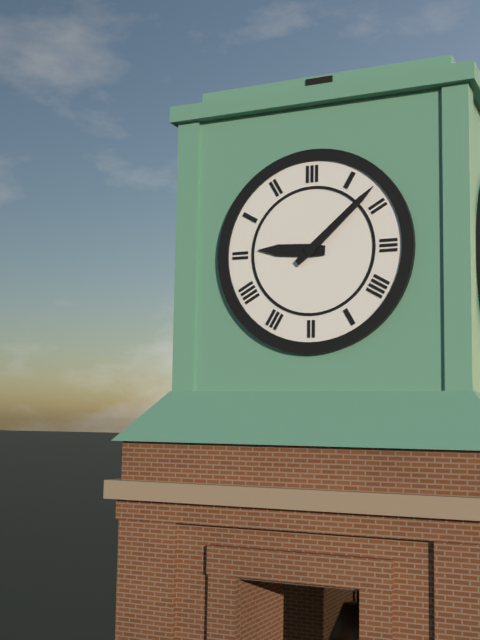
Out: 9:08
